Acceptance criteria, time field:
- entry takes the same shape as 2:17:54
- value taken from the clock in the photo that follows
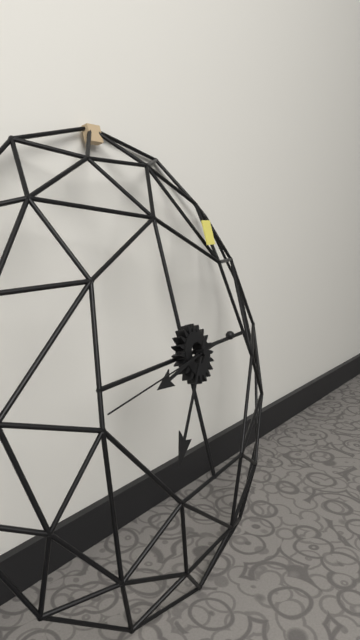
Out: 8:37:44
